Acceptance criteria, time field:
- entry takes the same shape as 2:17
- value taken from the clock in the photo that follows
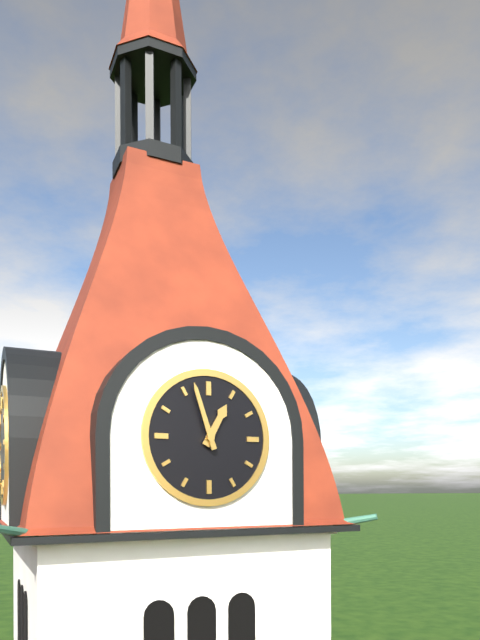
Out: 12:57
